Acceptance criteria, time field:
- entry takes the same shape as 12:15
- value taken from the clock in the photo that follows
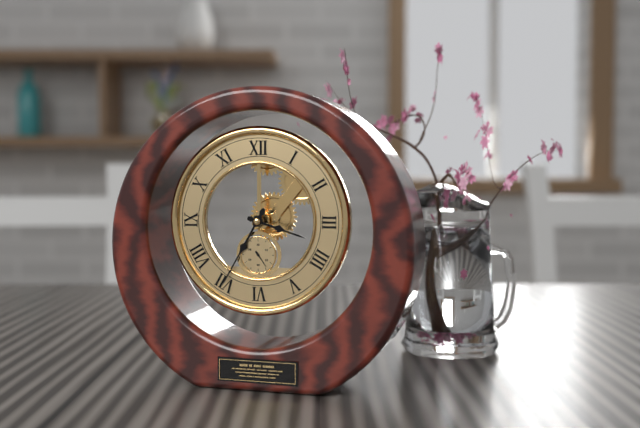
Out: 3:35
